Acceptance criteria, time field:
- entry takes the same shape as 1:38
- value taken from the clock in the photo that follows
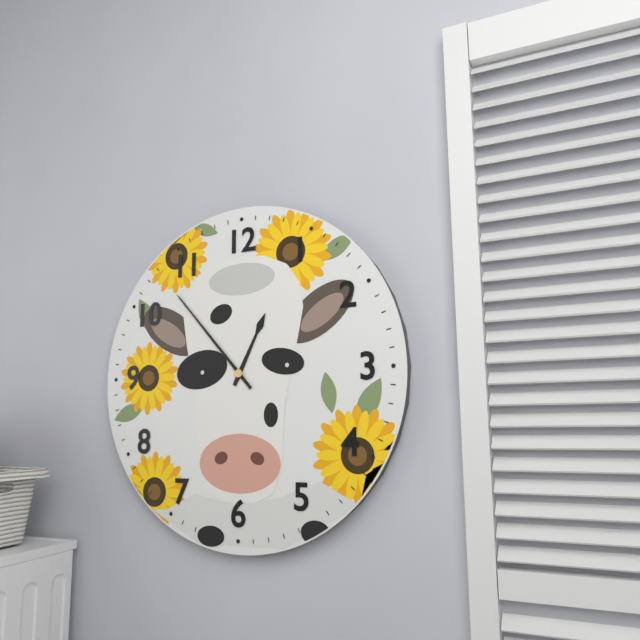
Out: 12:53
